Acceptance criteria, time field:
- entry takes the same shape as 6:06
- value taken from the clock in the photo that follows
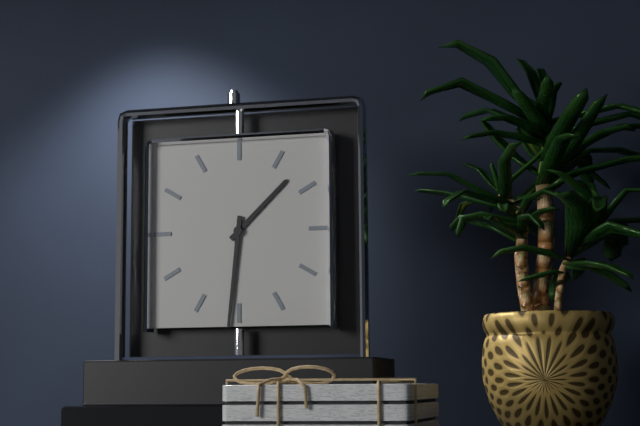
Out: 1:31
